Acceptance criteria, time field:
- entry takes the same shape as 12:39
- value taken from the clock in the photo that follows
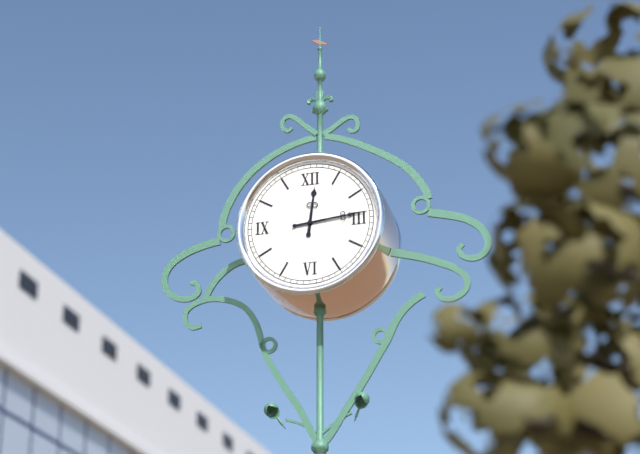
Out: 12:14
